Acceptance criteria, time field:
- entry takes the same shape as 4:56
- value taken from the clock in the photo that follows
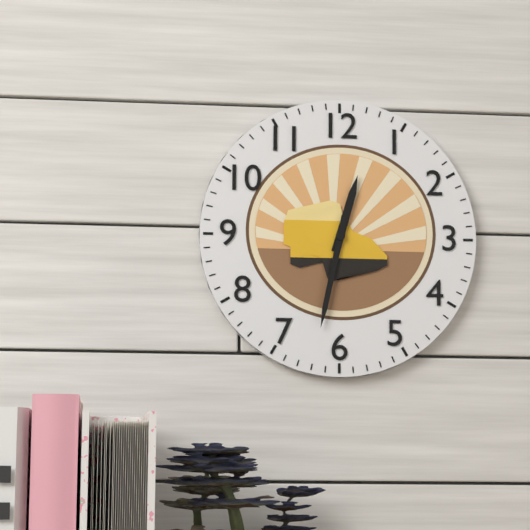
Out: 12:32
